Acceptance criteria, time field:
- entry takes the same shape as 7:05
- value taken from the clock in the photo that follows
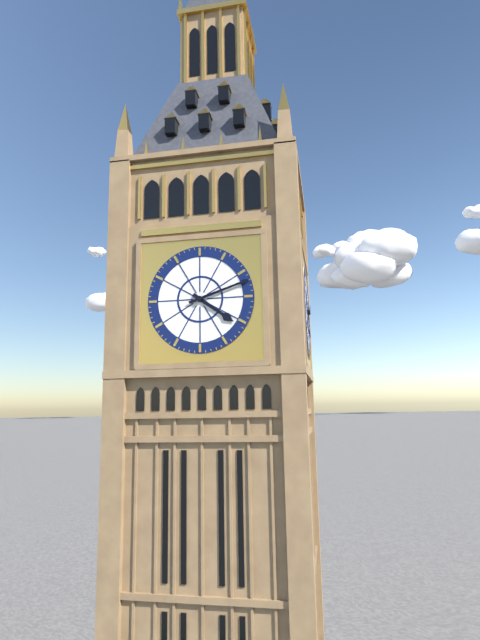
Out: 4:12
